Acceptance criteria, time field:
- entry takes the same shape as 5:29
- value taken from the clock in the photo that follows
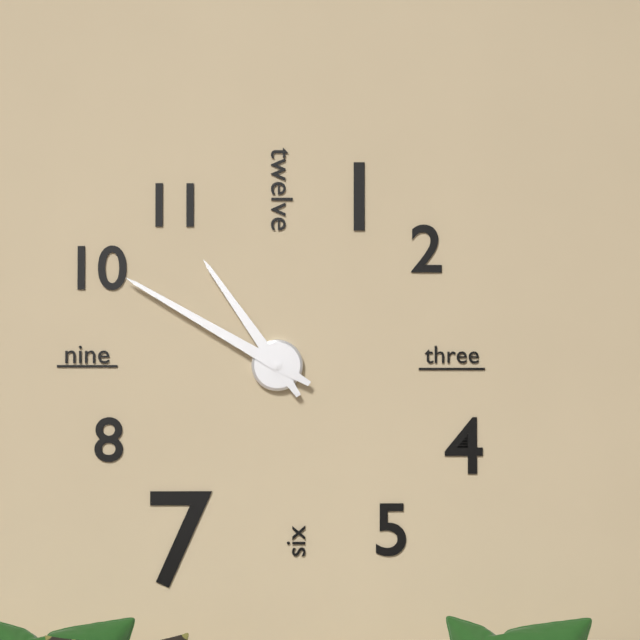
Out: 10:50
